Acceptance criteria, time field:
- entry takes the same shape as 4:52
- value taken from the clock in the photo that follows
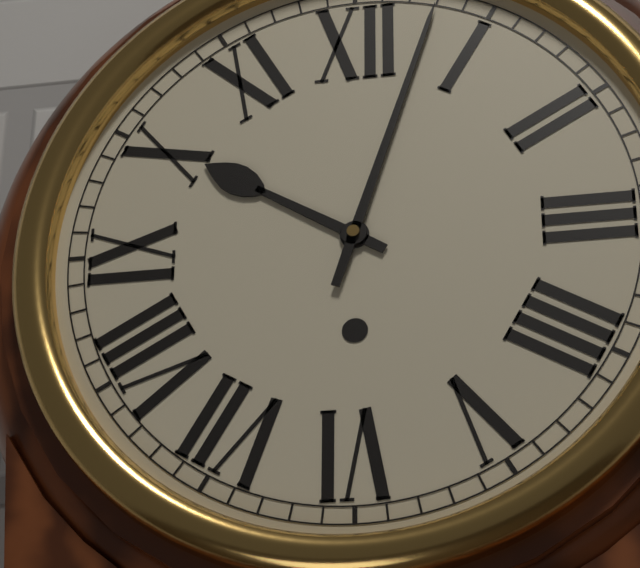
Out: 10:03
